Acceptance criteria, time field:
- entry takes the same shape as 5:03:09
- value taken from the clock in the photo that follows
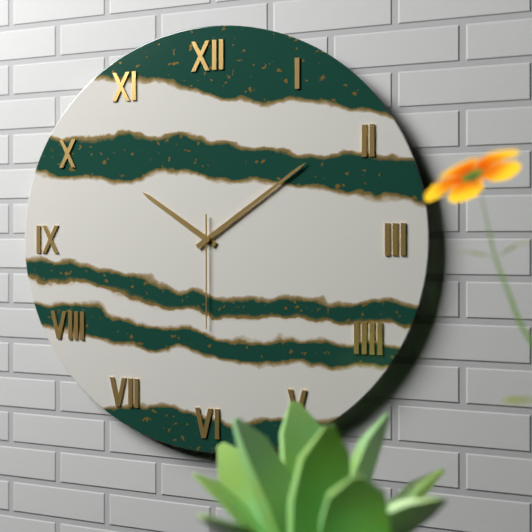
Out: 10:09:30
